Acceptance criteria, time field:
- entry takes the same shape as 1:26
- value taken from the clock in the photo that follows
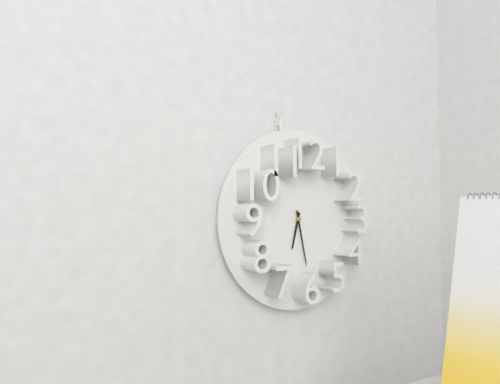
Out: 6:28
